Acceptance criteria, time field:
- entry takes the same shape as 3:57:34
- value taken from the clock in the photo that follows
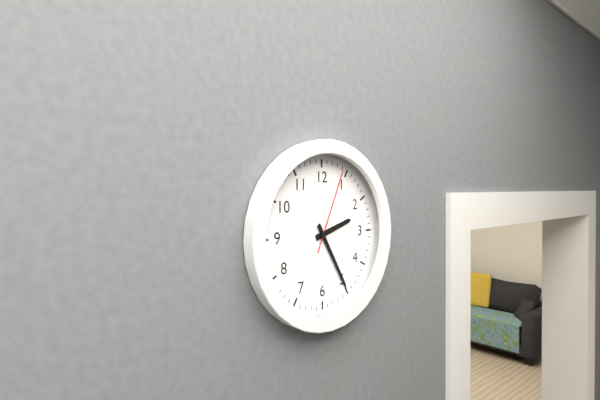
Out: 2:25:04
